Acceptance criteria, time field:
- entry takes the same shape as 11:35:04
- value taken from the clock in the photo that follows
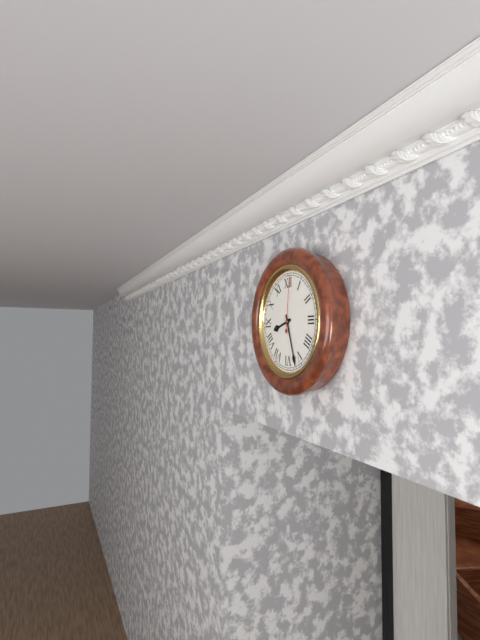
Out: 8:27:01
